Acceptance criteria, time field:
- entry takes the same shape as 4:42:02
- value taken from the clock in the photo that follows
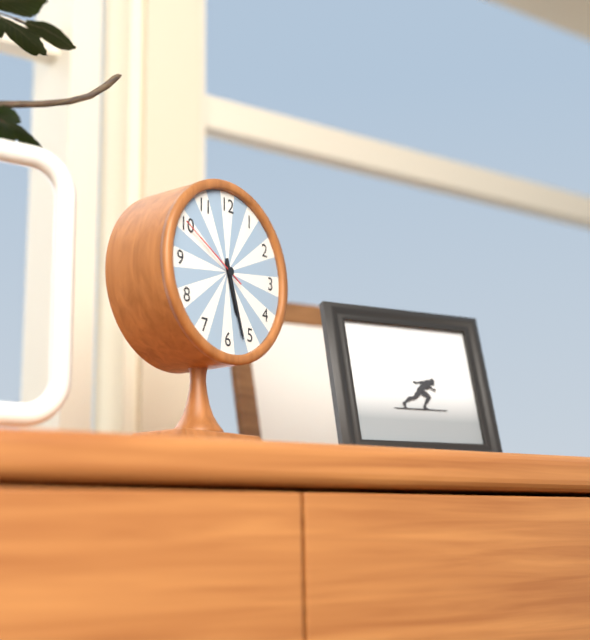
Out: 5:27:50
